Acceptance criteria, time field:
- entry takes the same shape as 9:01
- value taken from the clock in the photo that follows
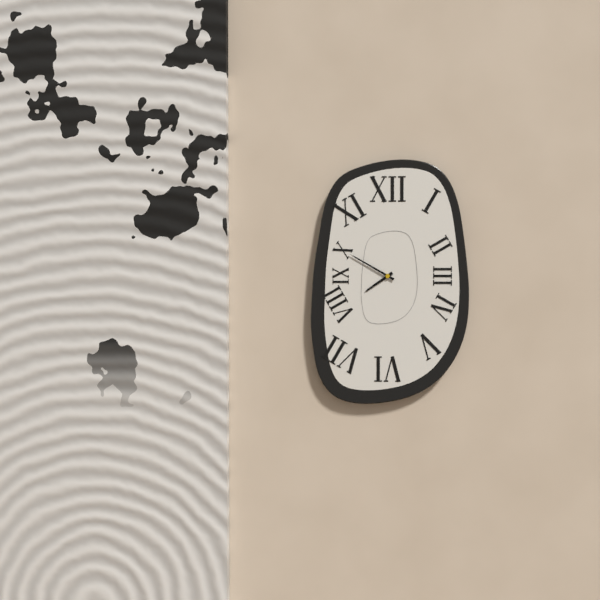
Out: 7:50
